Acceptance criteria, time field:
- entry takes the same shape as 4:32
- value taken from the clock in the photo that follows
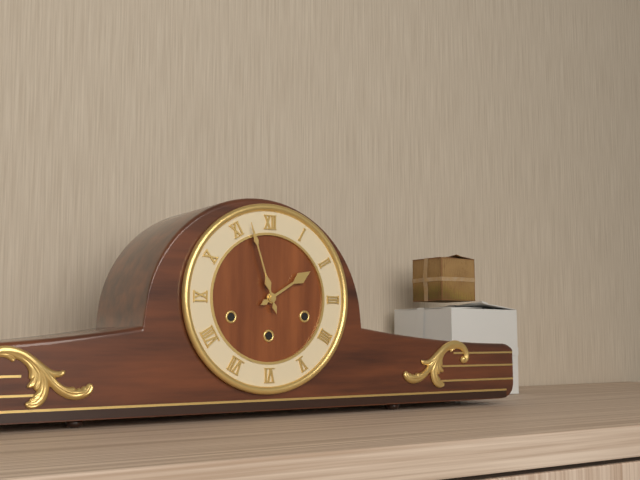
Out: 1:57
